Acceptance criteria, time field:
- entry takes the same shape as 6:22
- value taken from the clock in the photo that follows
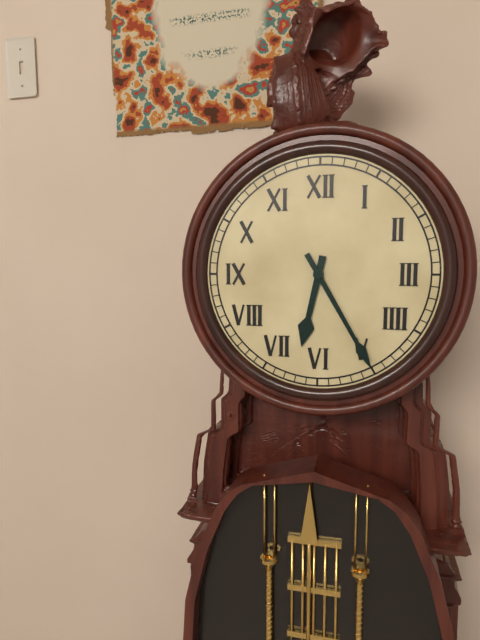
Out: 6:25
